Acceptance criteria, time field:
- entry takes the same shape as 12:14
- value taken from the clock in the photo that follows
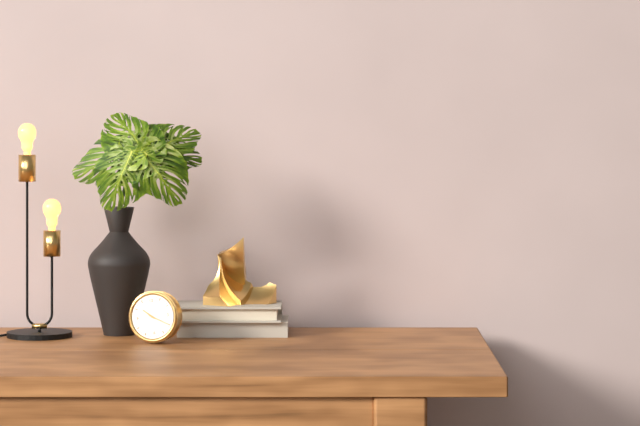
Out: 10:20
